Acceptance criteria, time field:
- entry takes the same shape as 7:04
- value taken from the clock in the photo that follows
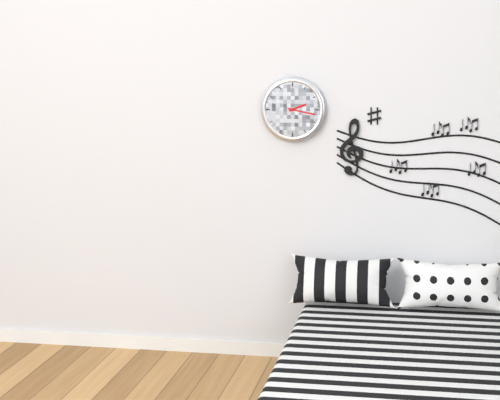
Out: 2:17
